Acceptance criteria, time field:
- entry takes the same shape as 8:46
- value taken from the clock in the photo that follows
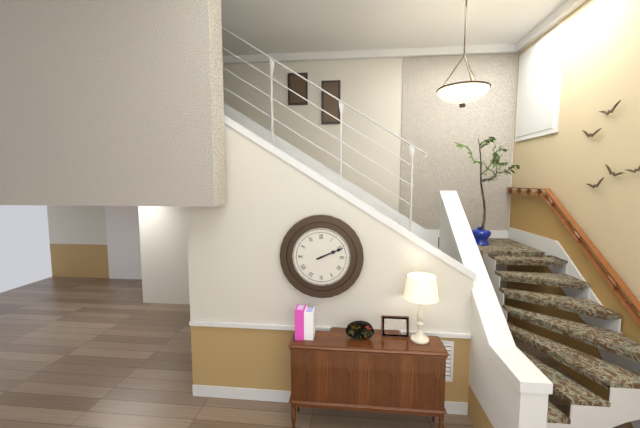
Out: 2:11
